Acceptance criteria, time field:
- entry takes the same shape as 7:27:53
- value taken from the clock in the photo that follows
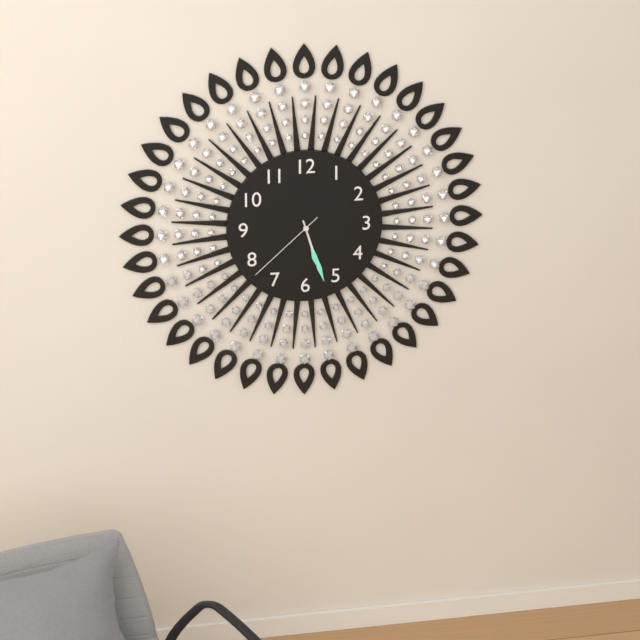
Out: 5:27:38
